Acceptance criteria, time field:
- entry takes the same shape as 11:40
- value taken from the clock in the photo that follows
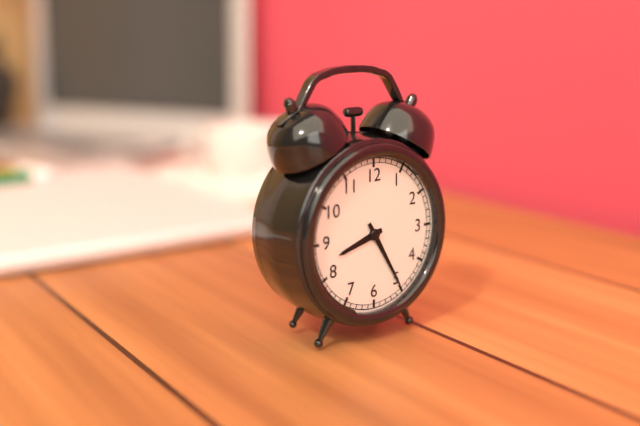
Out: 8:25
